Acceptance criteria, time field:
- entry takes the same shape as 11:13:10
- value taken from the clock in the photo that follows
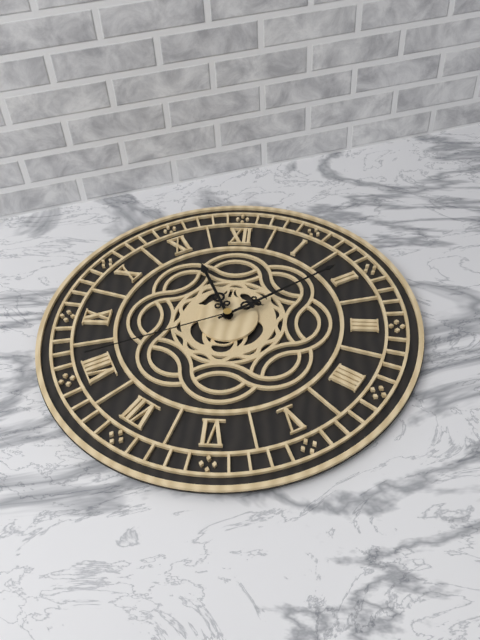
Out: 11:09:41
